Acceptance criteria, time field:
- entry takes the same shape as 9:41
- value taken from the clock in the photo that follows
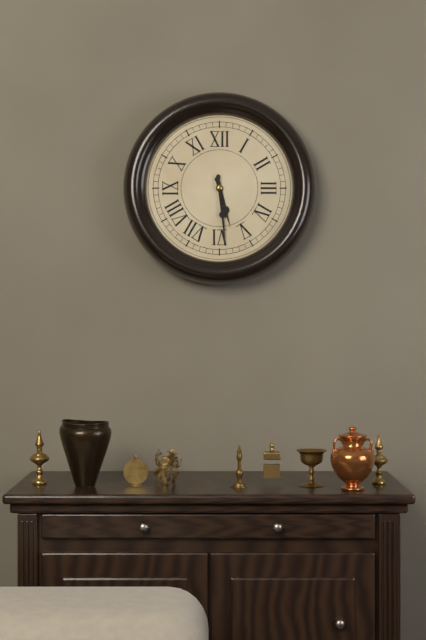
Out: 5:29
